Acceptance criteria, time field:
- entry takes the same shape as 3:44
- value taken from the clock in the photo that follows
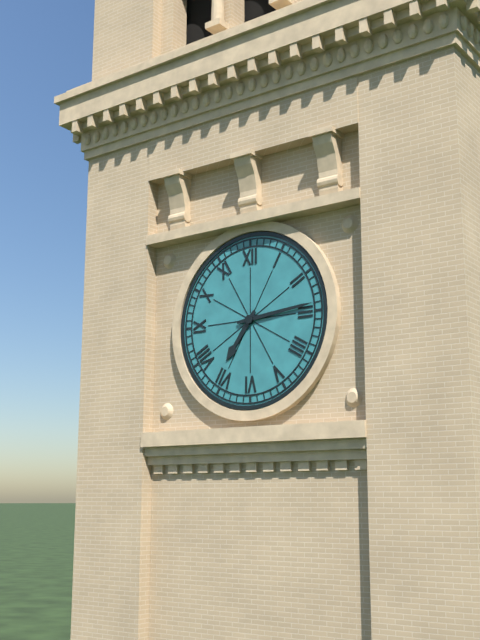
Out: 7:14
